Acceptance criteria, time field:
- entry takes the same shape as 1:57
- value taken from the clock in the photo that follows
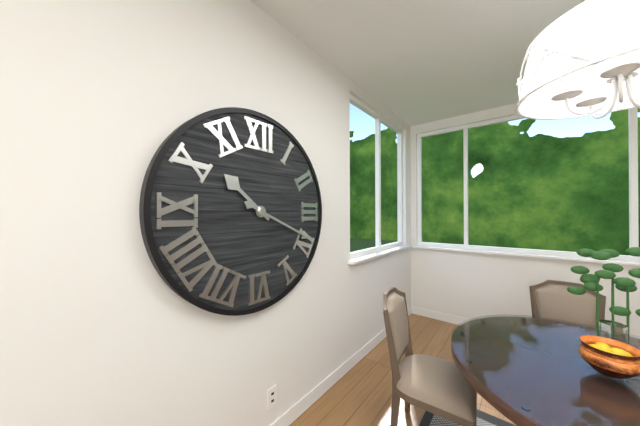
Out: 10:19
